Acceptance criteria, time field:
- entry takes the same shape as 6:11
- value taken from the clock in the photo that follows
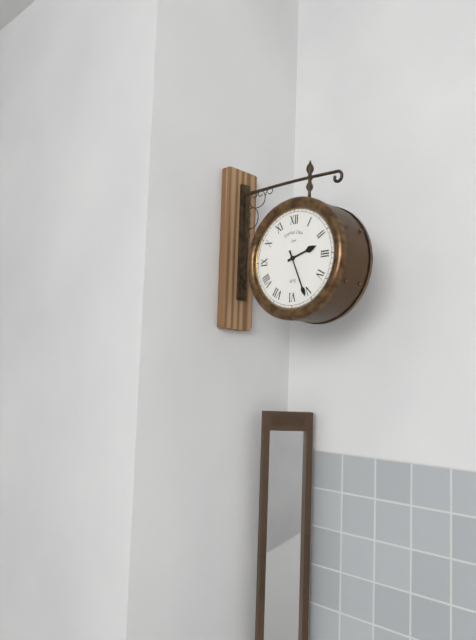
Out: 2:26
